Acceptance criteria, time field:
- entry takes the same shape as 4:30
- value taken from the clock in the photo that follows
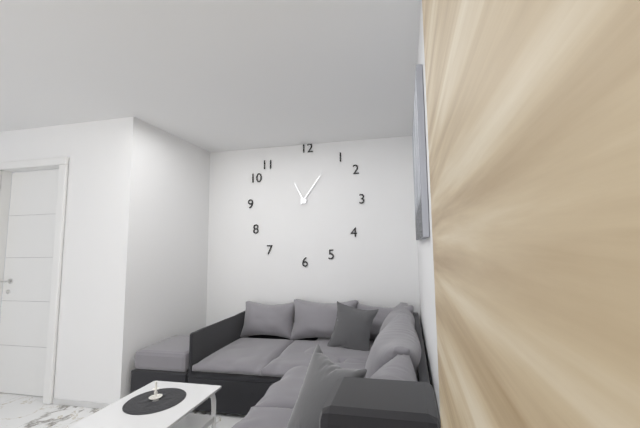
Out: 11:06
